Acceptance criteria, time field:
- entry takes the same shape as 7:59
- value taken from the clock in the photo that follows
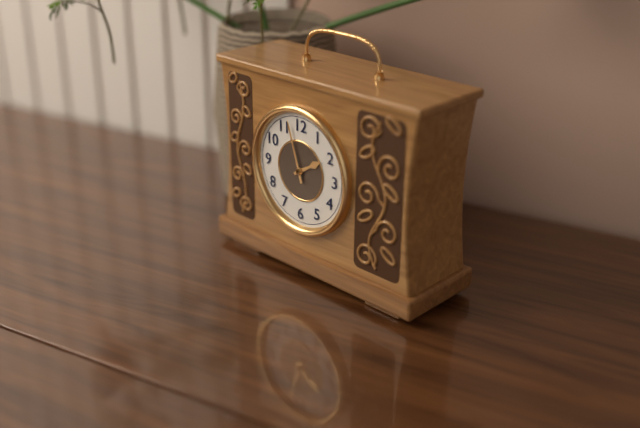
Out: 1:57
